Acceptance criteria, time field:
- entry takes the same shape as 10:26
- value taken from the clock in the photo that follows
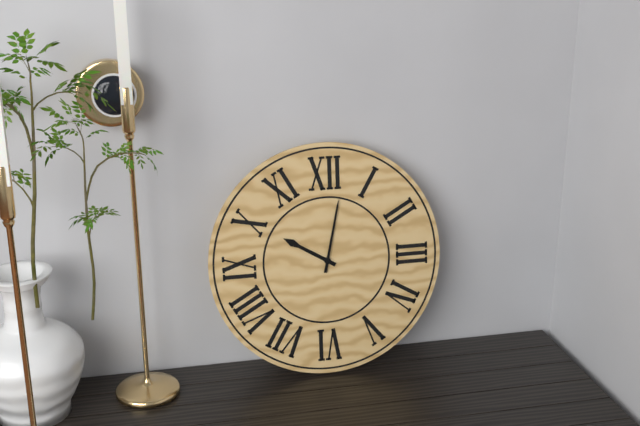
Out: 10:02
